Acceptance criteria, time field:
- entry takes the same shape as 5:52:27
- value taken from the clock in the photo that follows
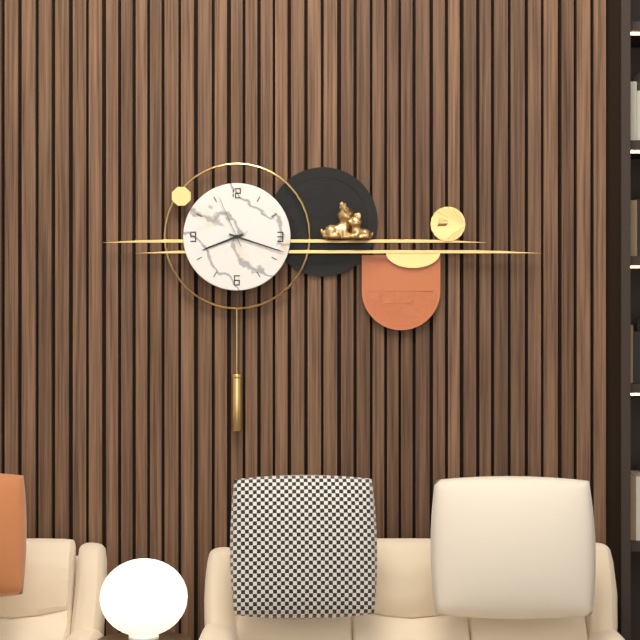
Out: 8:18:56
